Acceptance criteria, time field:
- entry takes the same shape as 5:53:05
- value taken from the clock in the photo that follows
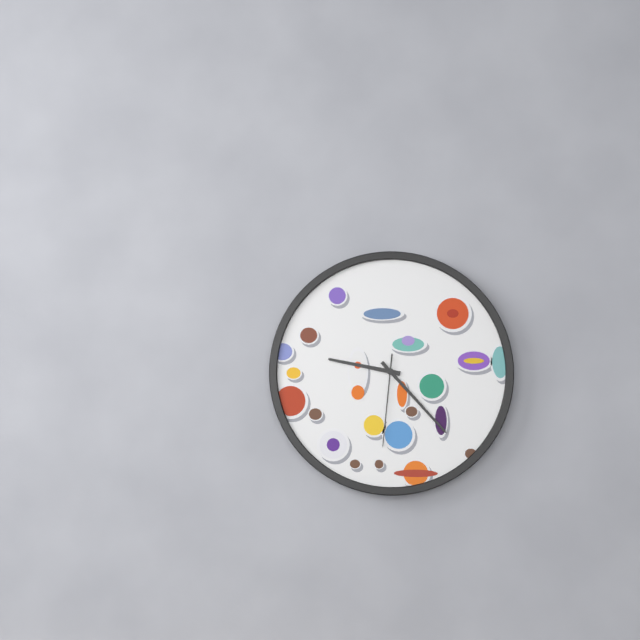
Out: 9:23:31
